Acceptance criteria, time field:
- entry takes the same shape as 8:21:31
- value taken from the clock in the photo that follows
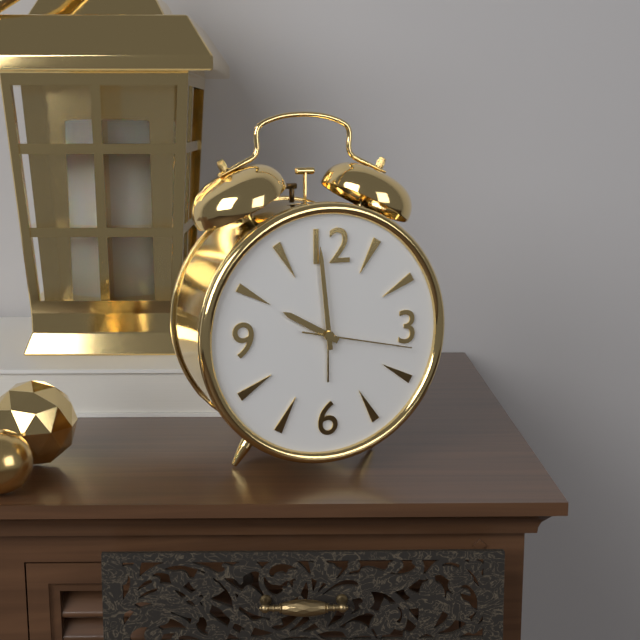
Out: 9:59:17
